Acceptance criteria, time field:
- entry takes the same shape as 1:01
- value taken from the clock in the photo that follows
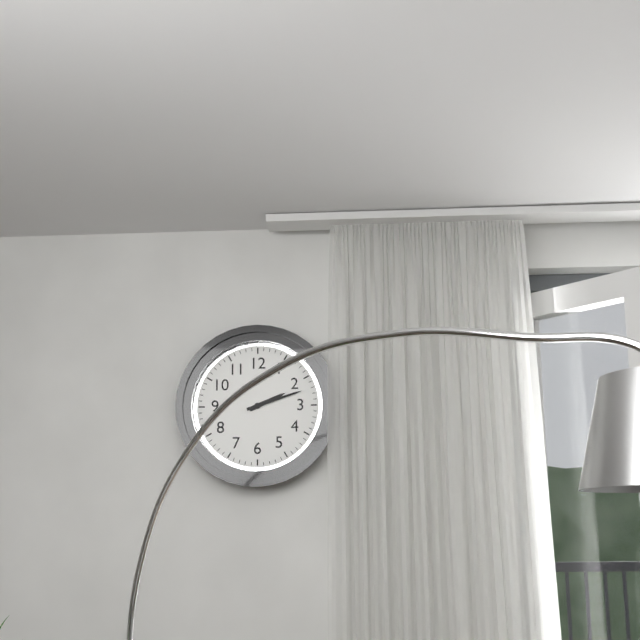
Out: 2:12
